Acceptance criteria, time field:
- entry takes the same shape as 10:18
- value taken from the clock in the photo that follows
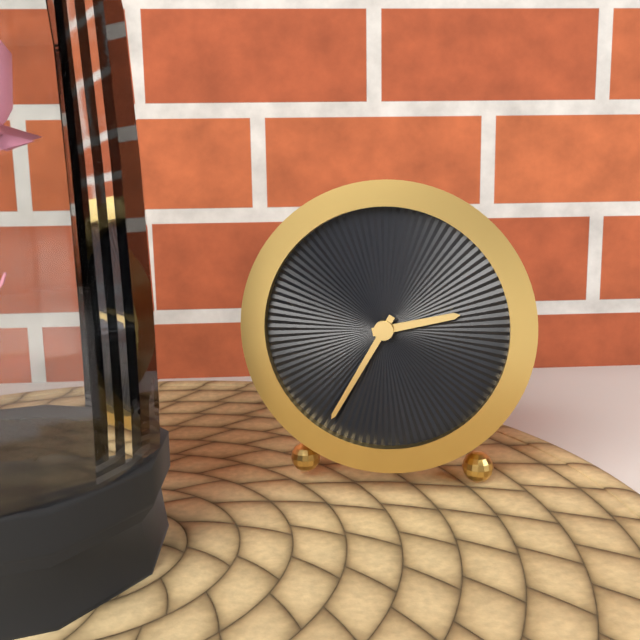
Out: 2:35
